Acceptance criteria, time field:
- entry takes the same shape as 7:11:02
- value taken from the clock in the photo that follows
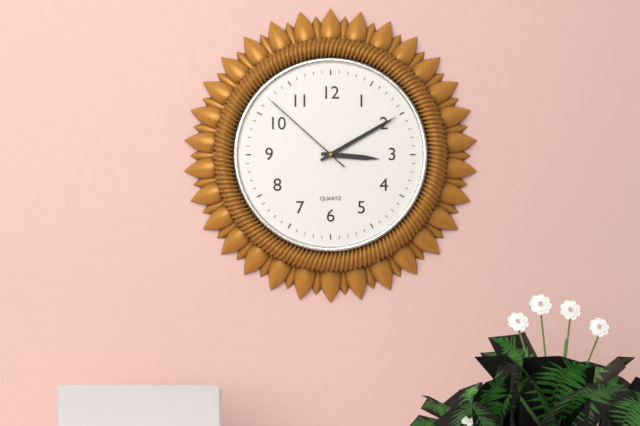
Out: 3:10:52
